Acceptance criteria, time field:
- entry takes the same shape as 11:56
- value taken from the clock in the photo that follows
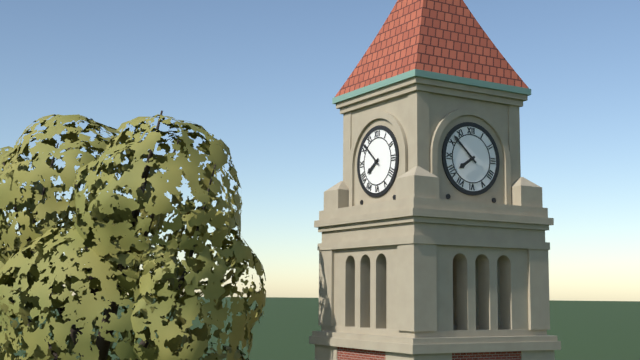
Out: 7:52
